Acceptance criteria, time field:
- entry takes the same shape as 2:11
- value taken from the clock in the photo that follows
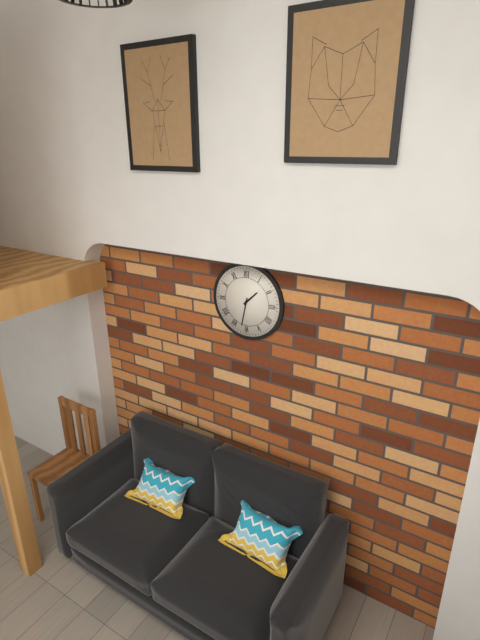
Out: 1:32
